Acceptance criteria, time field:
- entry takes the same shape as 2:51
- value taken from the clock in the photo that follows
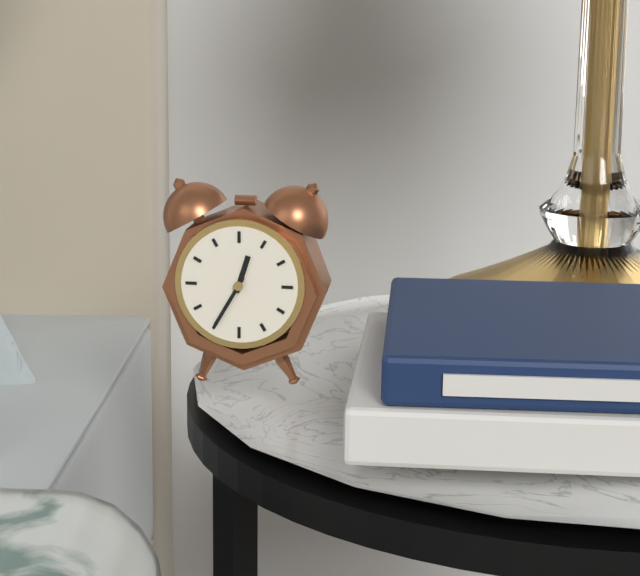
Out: 12:35
